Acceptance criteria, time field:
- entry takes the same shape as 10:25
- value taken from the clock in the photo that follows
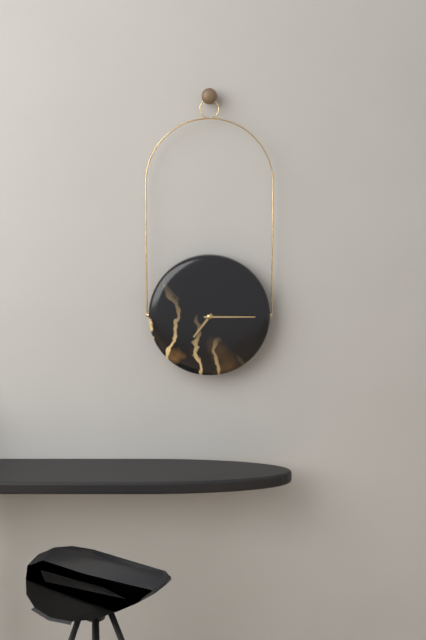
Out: 7:15
